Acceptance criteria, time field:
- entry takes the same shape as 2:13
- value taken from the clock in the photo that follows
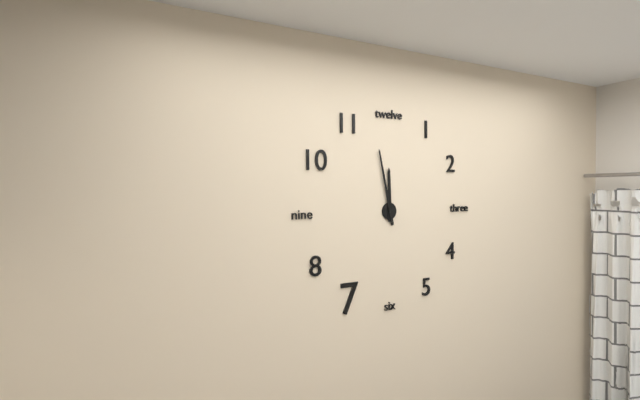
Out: 11:58
